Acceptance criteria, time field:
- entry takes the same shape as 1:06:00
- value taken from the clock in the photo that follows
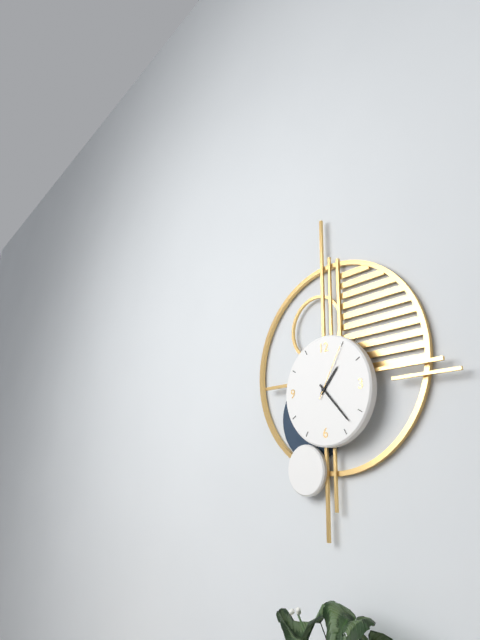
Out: 1:23:05
